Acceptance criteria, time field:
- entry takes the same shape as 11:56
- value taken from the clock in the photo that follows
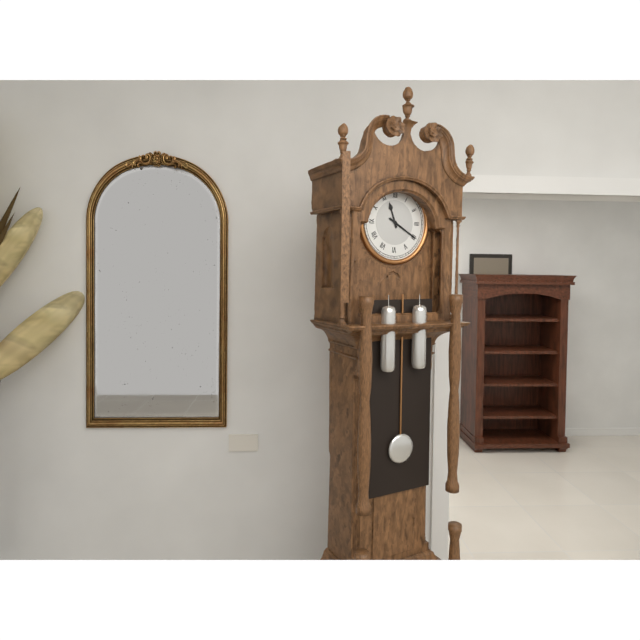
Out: 11:20
